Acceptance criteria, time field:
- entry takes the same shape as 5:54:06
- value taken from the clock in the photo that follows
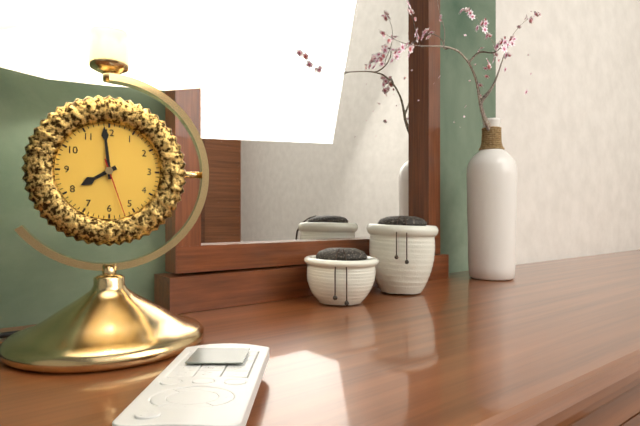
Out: 7:59:27
